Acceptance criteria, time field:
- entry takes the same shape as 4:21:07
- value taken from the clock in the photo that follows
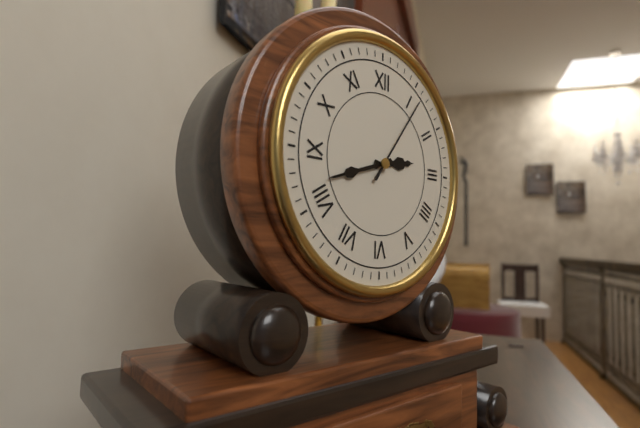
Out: 2:42:06
